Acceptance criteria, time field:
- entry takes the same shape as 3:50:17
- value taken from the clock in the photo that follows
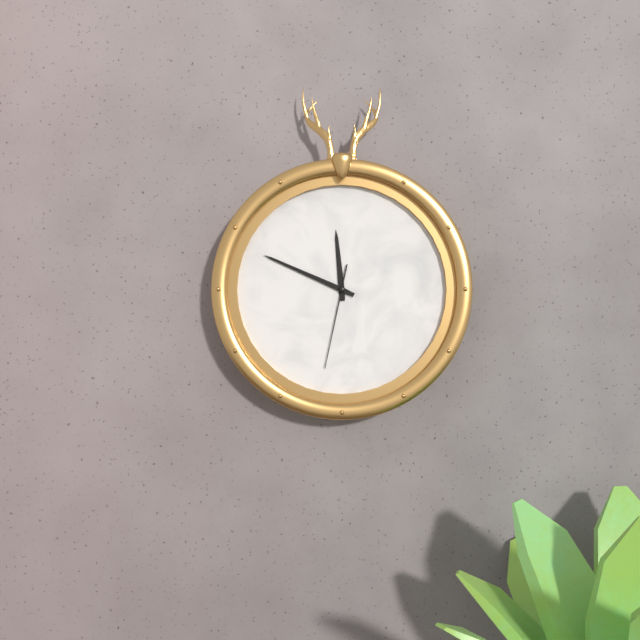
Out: 11:49:32
